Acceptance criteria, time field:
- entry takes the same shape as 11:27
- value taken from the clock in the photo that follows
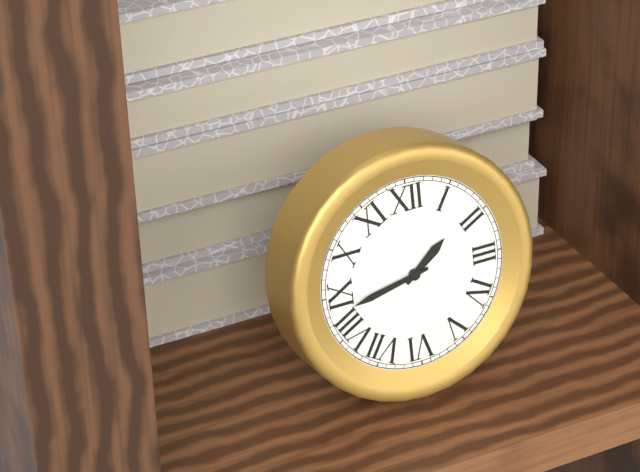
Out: 1:43
